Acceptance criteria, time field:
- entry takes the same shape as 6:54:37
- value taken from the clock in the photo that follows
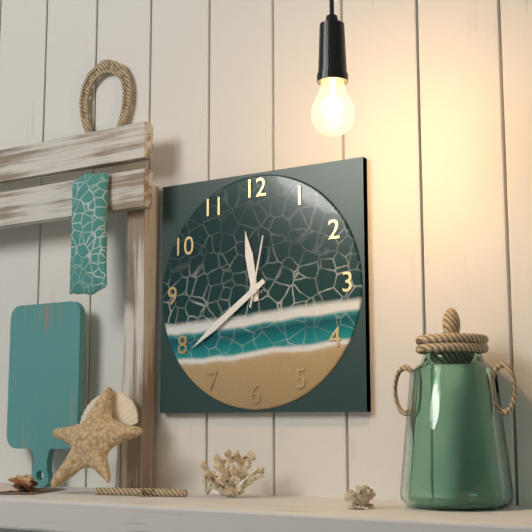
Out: 11:39:02
